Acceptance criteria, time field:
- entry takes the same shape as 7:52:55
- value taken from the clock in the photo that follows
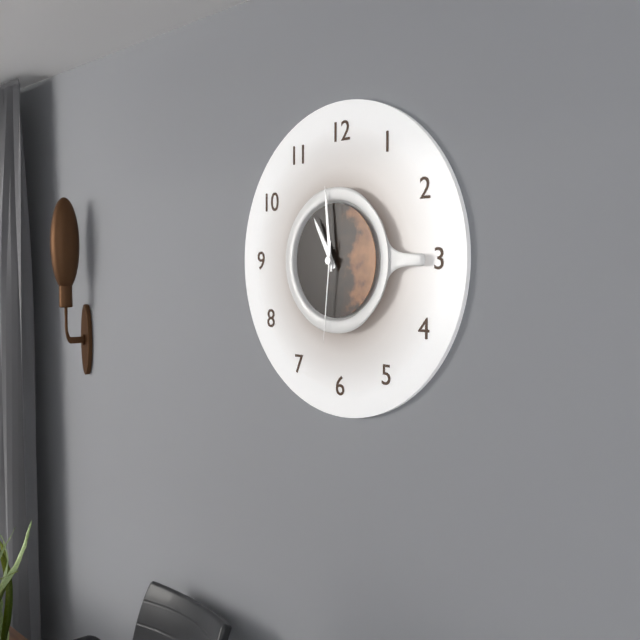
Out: 10:59:31
